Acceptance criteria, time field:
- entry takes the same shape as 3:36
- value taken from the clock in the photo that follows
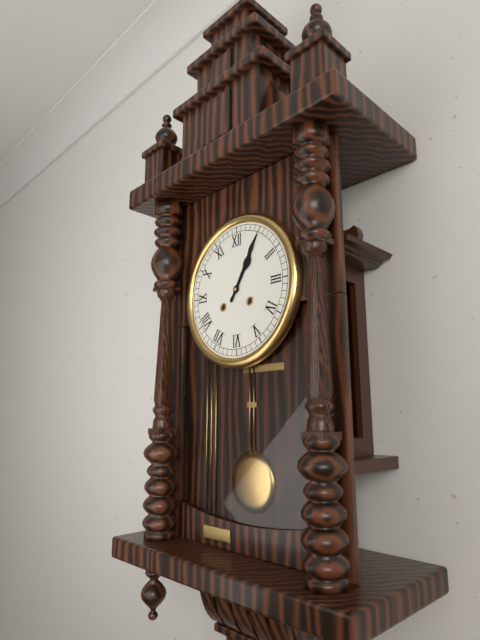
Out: 1:05
